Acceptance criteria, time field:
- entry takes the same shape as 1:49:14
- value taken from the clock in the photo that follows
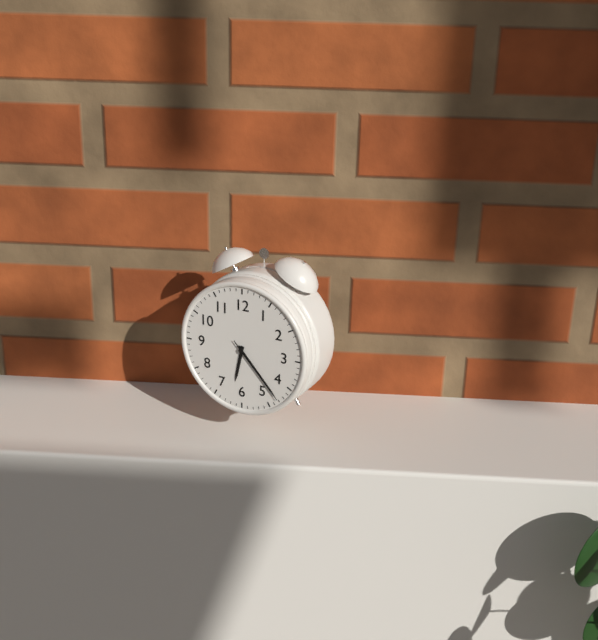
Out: 6:23:23
